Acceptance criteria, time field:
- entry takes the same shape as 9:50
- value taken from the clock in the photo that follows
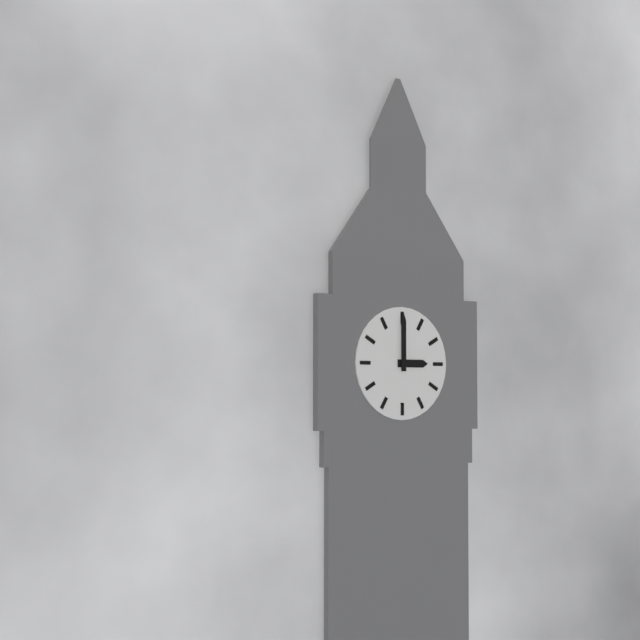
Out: 3:00
